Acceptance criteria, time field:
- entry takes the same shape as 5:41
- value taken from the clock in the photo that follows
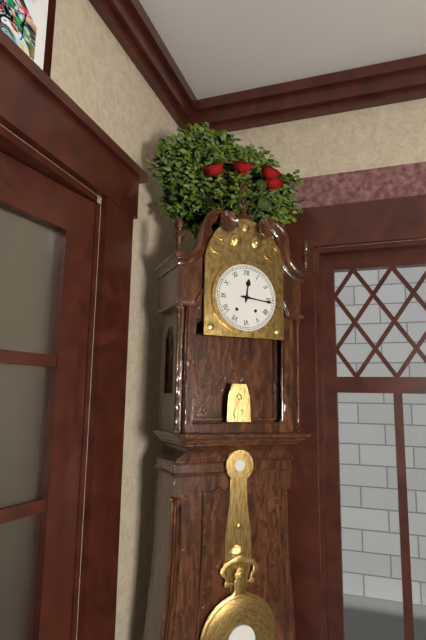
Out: 12:16
